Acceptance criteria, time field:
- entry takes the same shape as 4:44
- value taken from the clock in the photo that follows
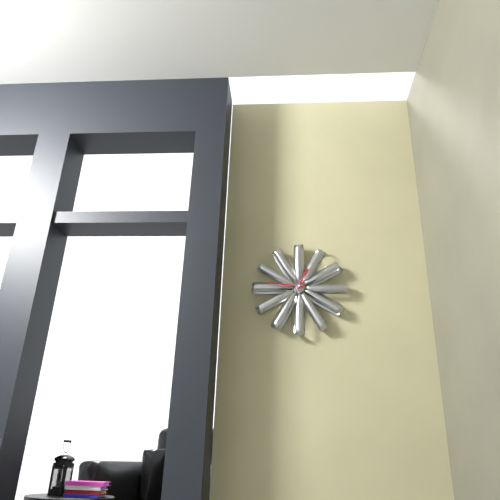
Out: 12:46
